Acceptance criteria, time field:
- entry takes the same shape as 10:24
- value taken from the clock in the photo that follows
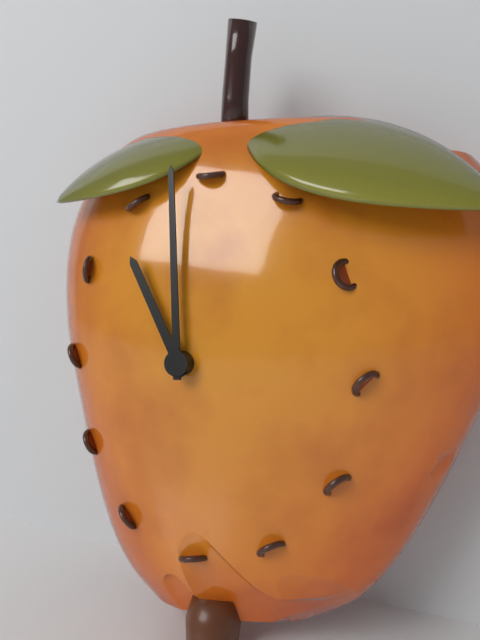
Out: 10:59
